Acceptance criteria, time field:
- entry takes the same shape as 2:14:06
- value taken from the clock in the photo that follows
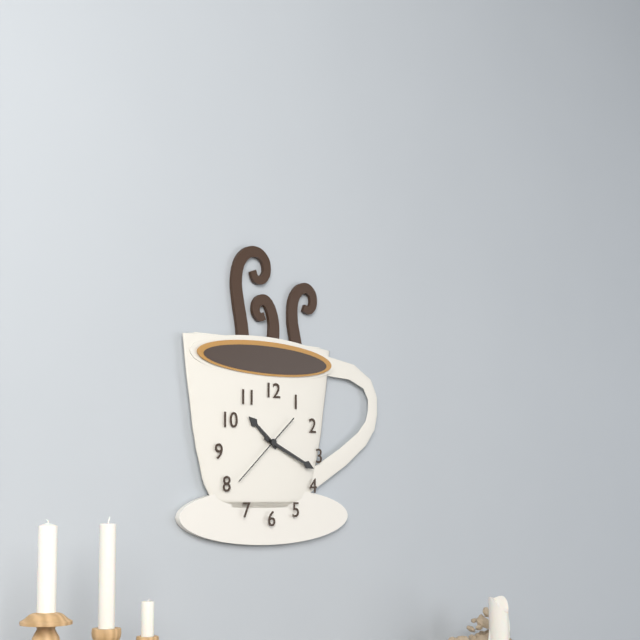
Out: 10:19:38
